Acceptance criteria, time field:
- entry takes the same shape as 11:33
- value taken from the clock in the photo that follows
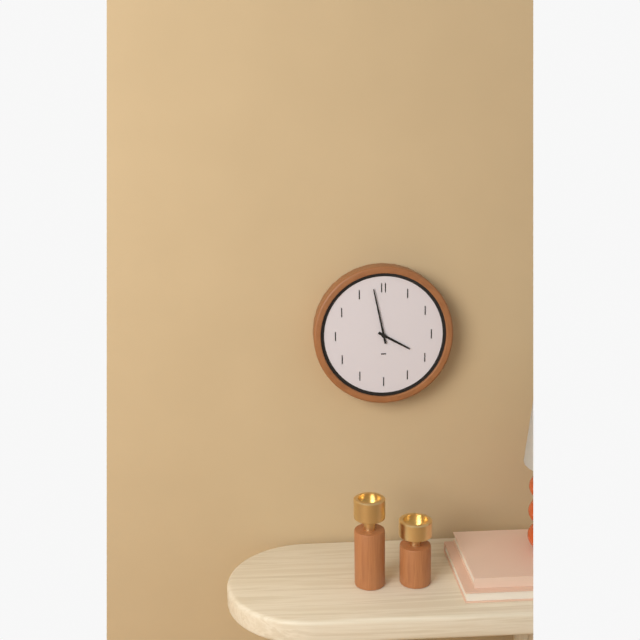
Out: 3:58
